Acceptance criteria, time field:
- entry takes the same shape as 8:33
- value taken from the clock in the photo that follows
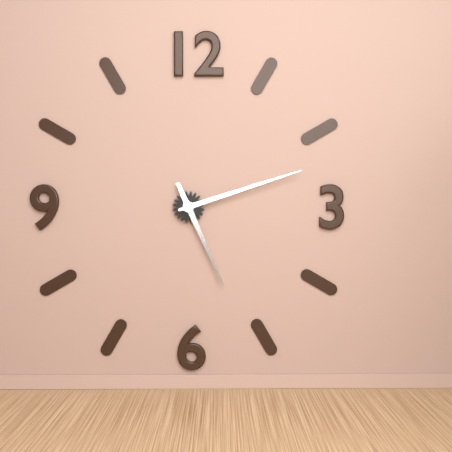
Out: 5:12
